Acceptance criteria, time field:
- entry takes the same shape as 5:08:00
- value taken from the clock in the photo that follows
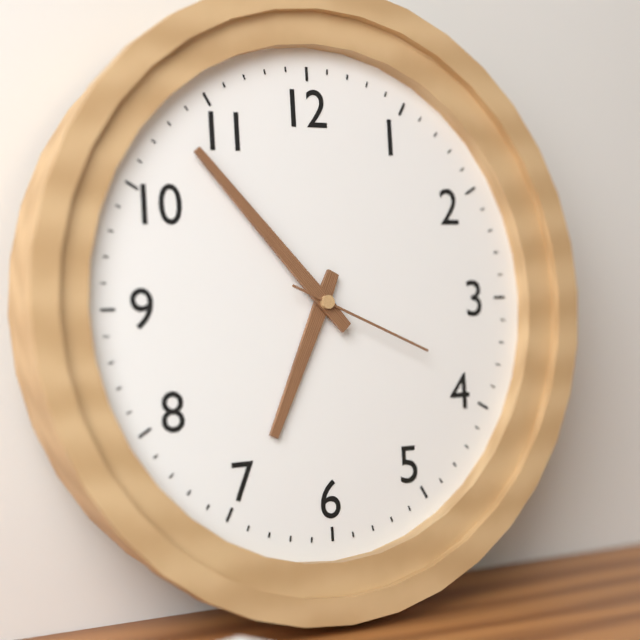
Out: 6:53:19
